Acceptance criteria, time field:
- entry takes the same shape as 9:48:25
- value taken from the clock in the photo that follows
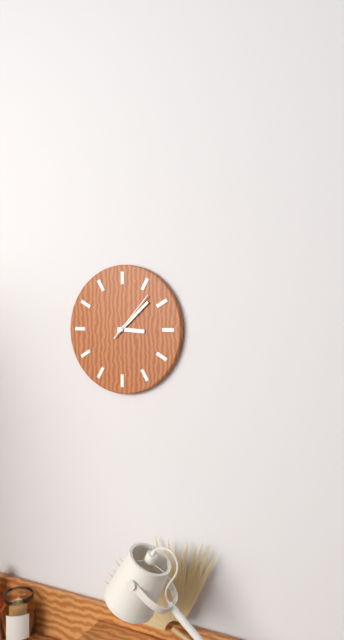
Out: 3:08:07
